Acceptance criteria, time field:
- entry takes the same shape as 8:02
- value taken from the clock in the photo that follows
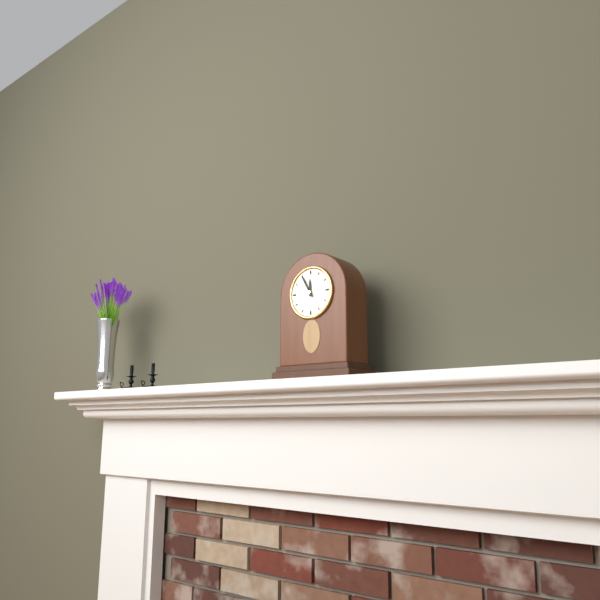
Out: 11:55
